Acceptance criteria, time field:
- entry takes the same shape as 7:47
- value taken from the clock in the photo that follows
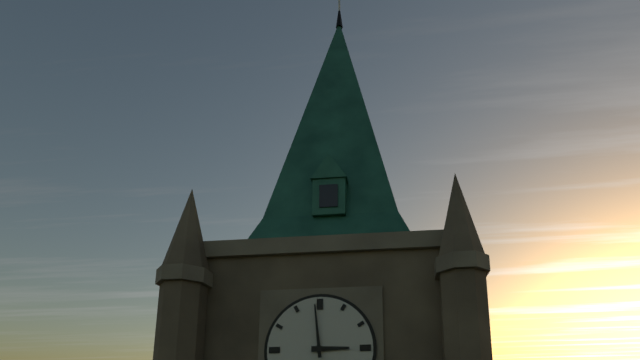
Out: 2:59
